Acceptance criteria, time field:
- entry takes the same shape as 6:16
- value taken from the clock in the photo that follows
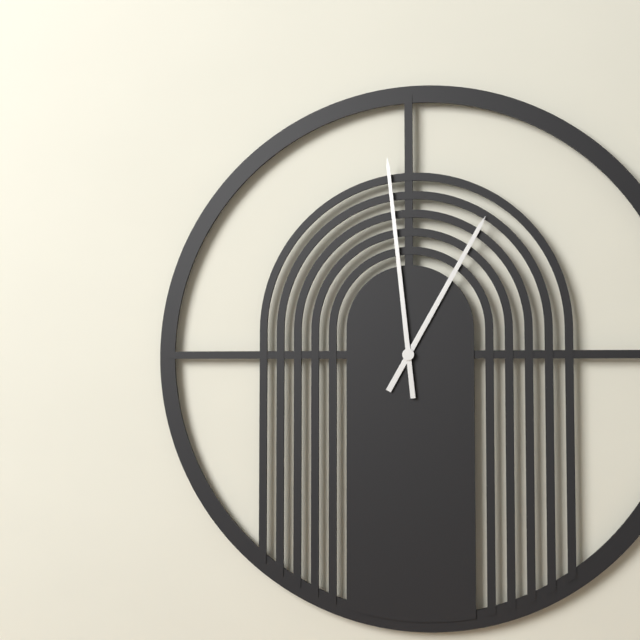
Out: 12:59
